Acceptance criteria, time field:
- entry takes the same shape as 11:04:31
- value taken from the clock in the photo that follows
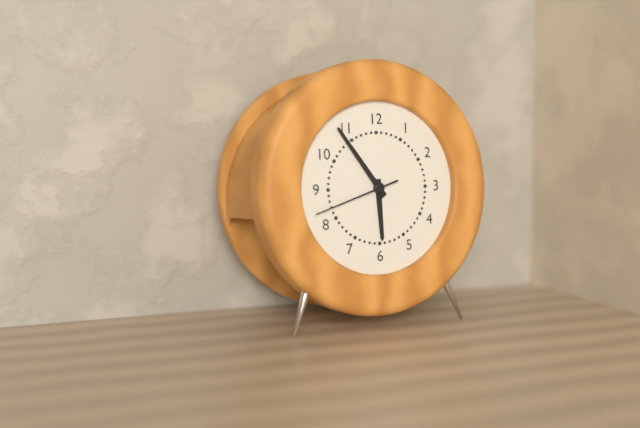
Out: 5:54:42
